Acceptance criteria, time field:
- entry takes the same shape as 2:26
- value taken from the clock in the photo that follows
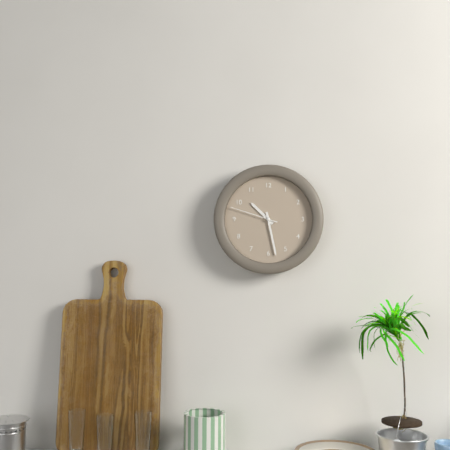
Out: 10:28
